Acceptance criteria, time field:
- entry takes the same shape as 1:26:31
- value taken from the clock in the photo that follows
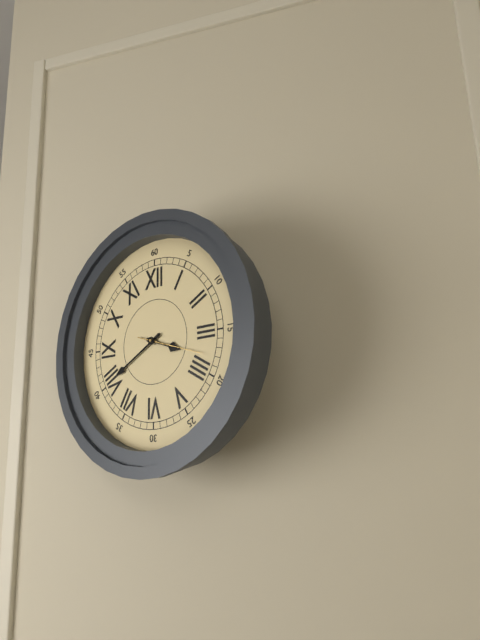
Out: 3:40:18
